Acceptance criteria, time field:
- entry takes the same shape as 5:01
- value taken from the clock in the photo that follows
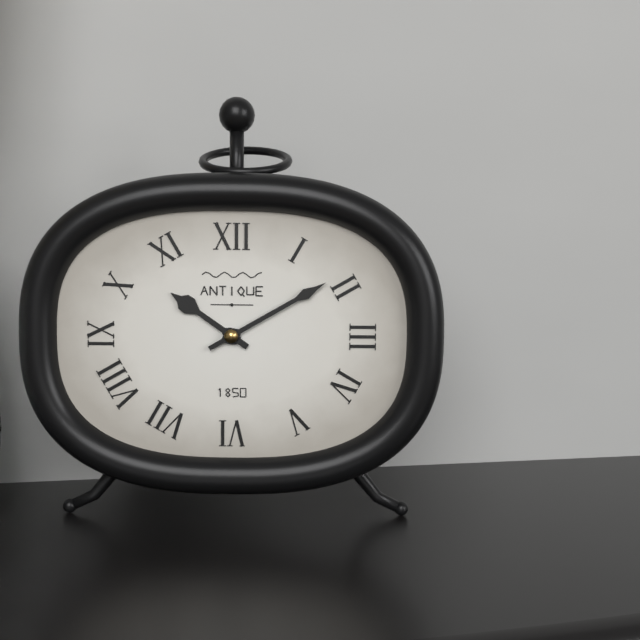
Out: 10:10
